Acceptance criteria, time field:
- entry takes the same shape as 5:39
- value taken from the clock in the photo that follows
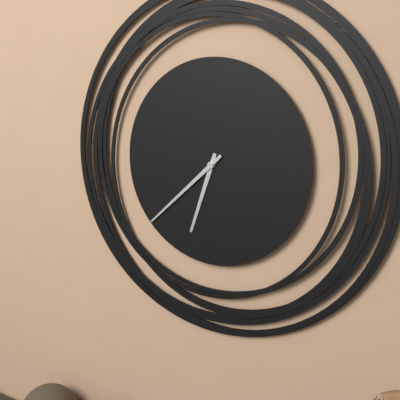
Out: 6:38
